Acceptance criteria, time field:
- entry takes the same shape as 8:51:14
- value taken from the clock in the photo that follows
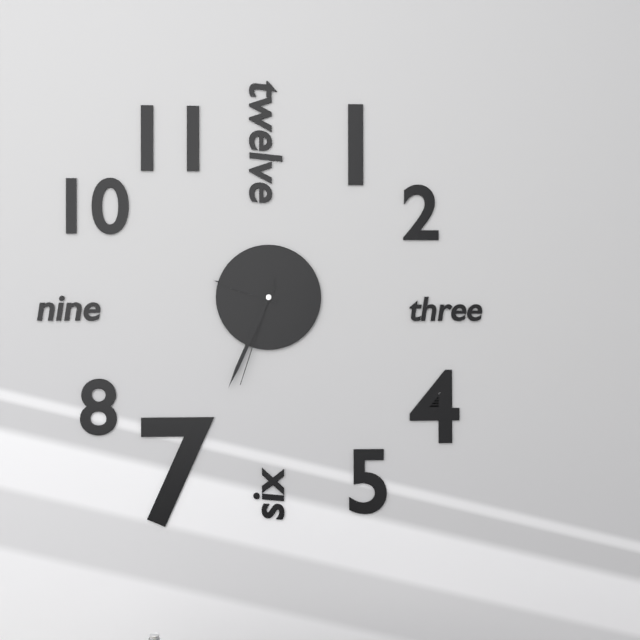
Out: 9:34:33
